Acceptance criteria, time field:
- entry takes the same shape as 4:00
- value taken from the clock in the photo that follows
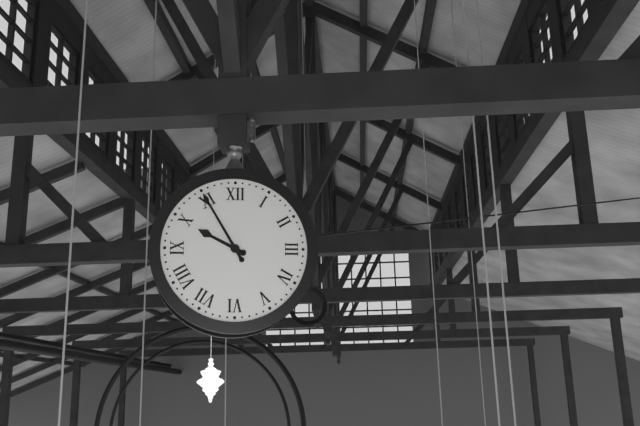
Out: 9:55
